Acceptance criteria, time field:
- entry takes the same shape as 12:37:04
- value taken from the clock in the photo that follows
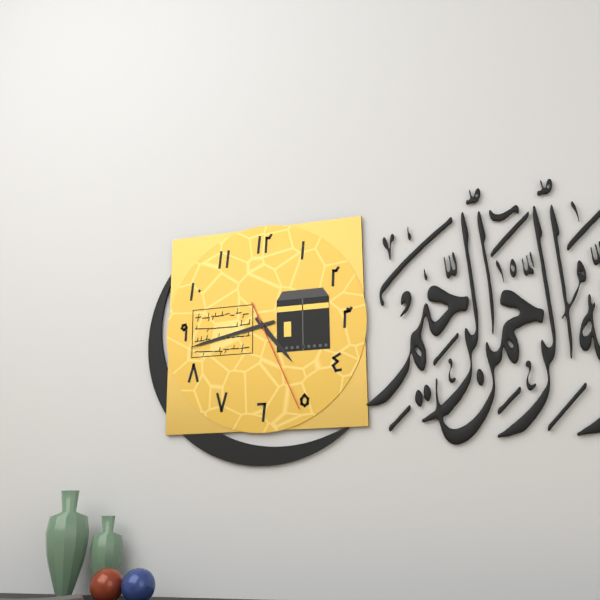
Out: 4:43:26
